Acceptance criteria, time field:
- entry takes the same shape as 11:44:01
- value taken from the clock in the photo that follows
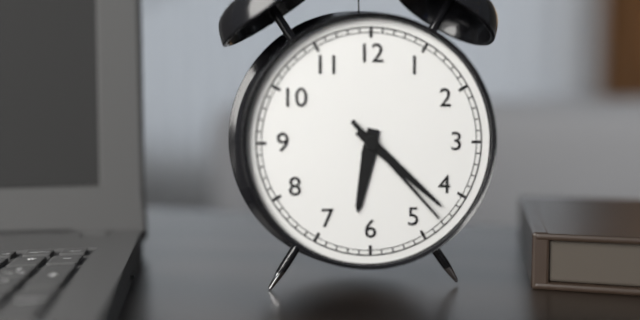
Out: 6:22:23
